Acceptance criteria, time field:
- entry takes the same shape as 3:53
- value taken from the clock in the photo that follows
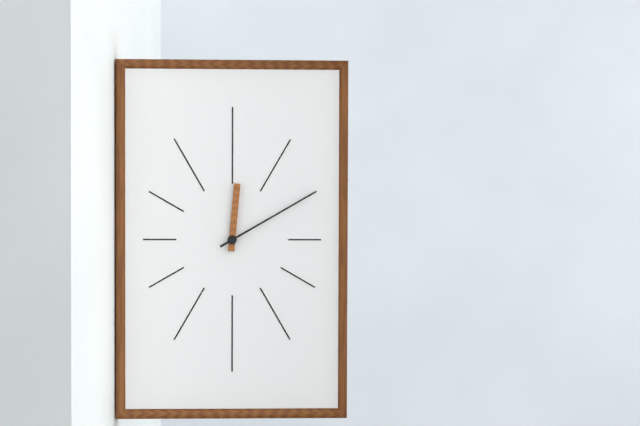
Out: 12:10
